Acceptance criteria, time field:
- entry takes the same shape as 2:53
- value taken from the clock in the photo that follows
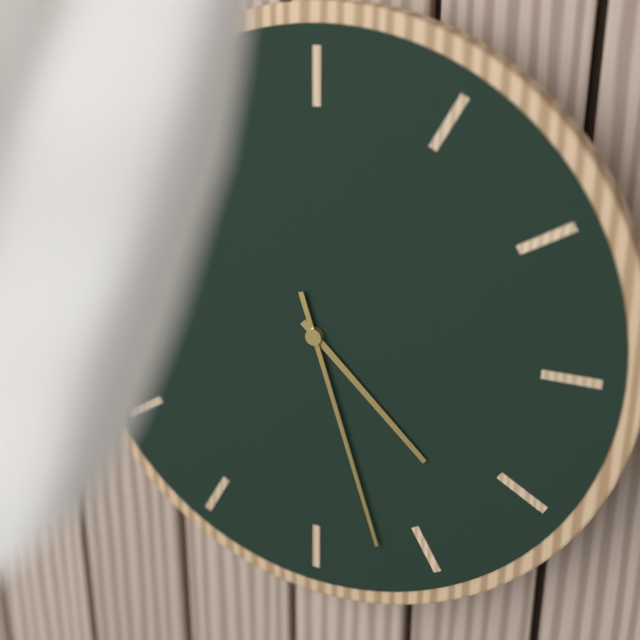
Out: 4:27
